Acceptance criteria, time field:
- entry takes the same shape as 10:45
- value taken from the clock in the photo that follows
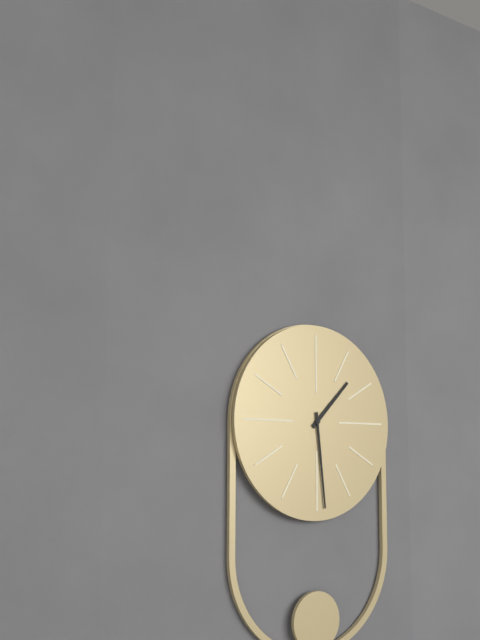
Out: 1:29
